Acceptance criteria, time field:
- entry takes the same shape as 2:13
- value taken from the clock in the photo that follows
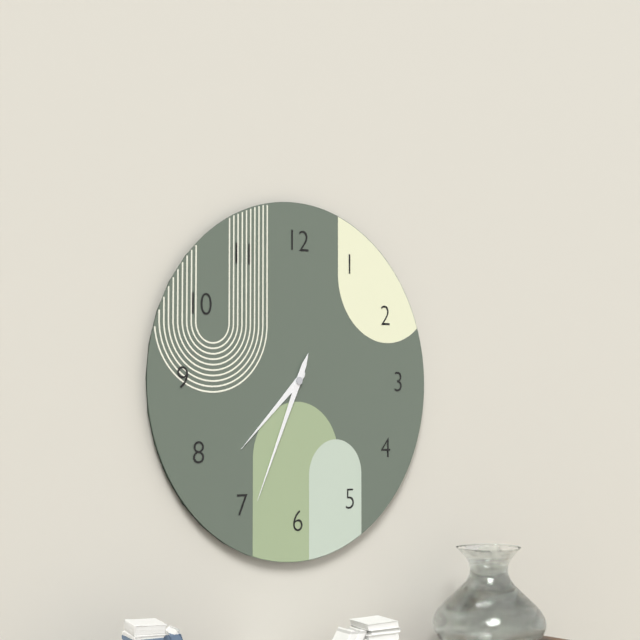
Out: 7:34
